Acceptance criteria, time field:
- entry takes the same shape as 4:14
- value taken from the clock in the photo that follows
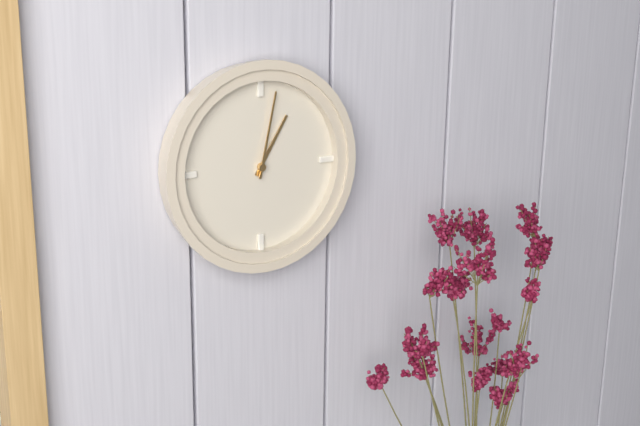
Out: 1:02
